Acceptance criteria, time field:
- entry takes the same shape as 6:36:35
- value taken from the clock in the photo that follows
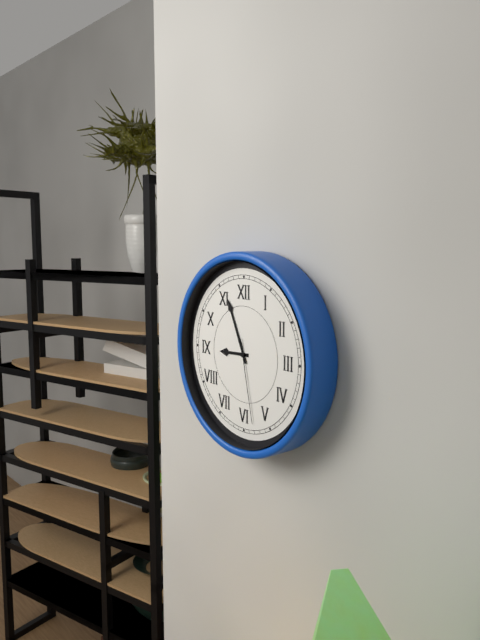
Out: 8:56:28
